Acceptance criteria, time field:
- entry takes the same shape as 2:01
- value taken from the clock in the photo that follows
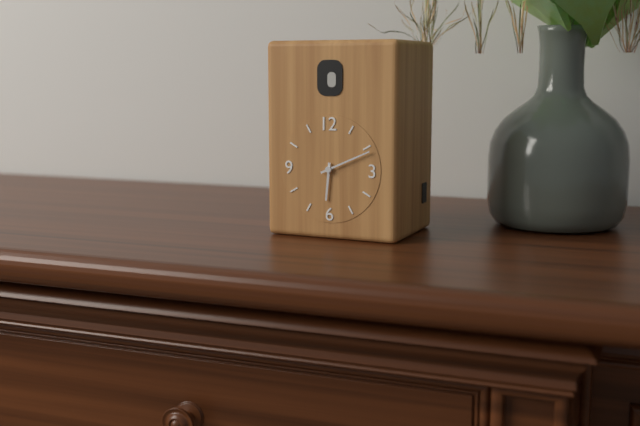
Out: 6:11
